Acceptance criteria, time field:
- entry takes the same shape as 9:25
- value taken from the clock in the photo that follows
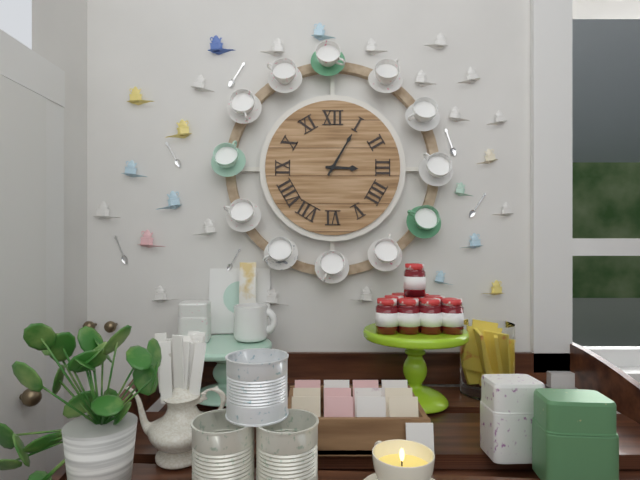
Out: 3:05
